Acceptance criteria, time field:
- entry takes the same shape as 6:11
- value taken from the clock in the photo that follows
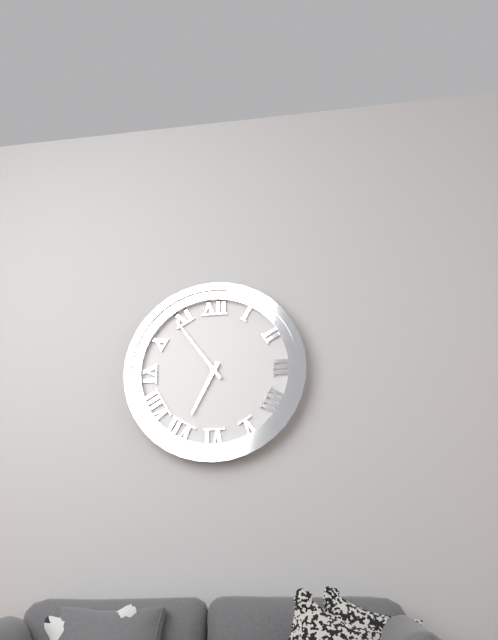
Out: 6:54
